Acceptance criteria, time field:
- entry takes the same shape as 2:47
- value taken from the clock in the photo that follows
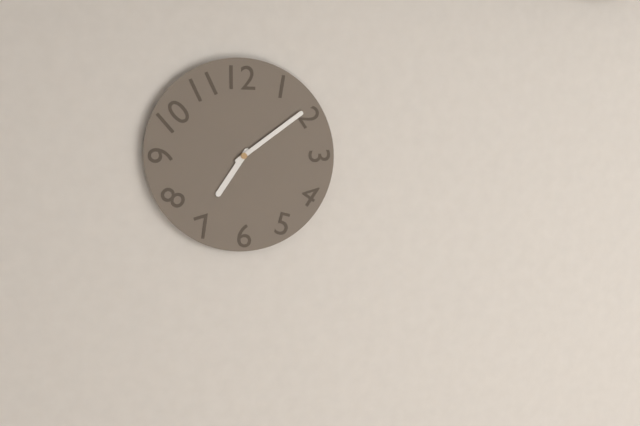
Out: 7:09
